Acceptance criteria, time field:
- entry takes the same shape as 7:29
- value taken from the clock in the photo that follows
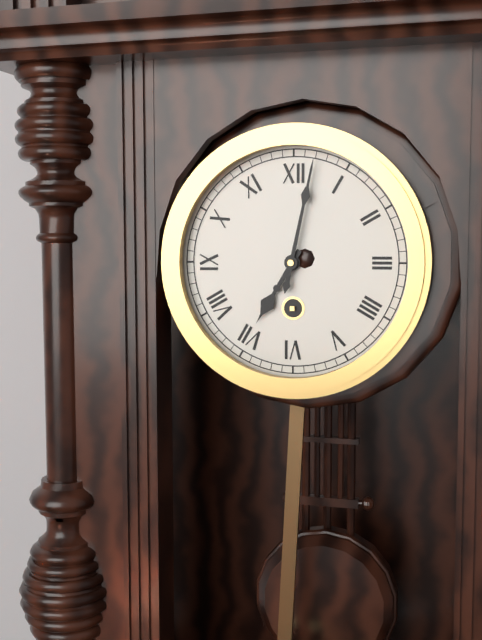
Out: 7:02
